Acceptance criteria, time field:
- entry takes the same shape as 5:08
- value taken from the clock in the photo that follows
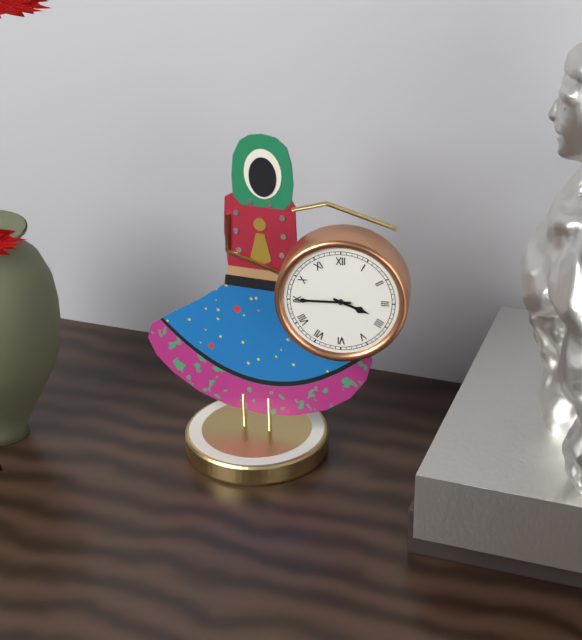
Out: 3:45
